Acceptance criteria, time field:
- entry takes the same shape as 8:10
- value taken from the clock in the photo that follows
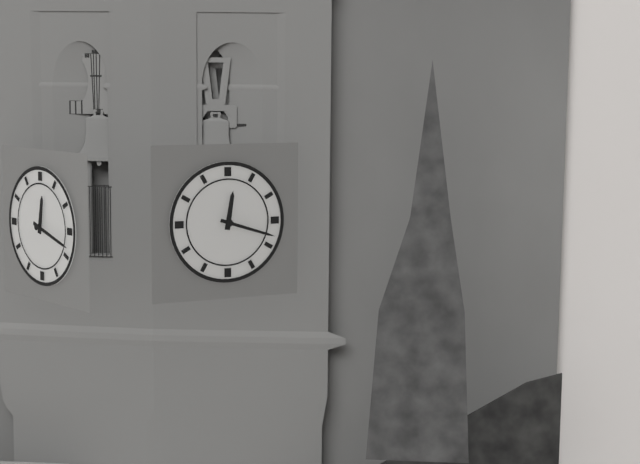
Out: 12:18
